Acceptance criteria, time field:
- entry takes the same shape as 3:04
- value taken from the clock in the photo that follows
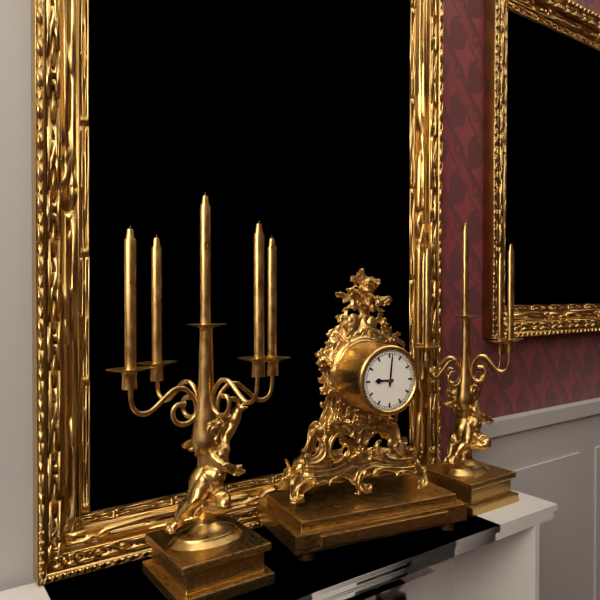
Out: 9:01
